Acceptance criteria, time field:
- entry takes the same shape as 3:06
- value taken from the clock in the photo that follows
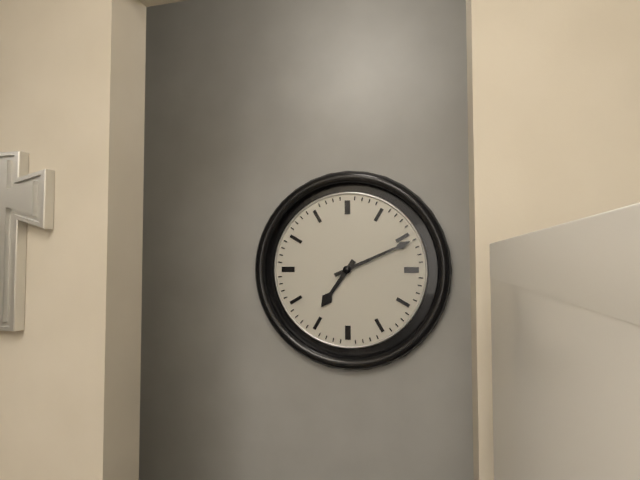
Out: 7:11
